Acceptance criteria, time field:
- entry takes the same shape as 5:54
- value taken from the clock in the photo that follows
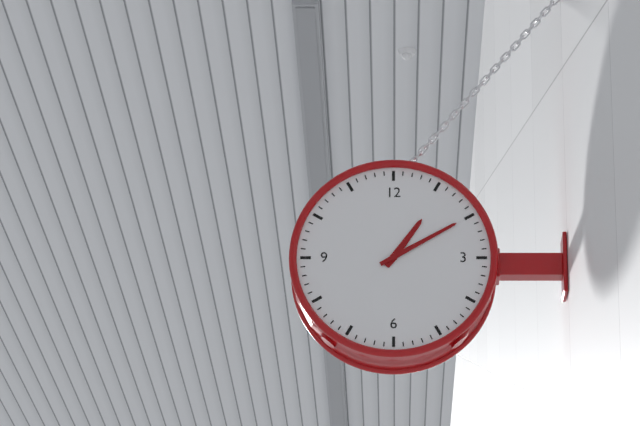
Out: 1:10
